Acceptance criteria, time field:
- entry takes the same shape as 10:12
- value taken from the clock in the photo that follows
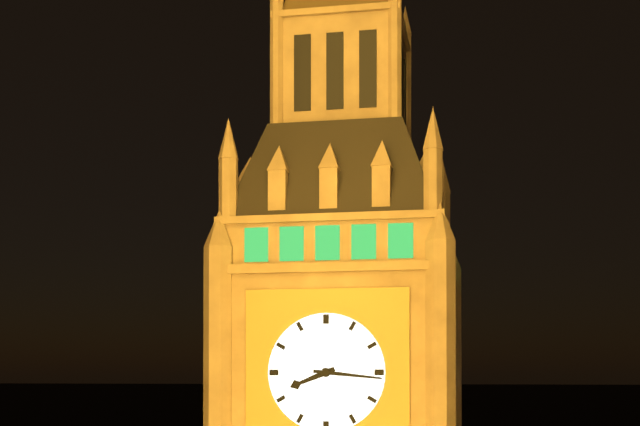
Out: 8:16
